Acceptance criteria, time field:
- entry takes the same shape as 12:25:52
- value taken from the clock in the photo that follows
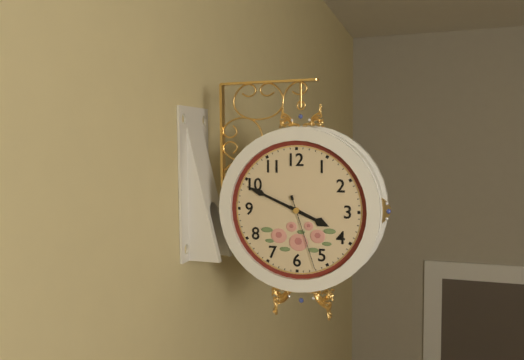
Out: 3:49:27
